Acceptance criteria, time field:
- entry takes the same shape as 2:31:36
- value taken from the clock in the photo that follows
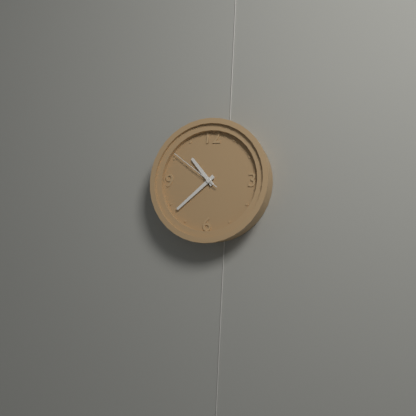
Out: 10:38:51
